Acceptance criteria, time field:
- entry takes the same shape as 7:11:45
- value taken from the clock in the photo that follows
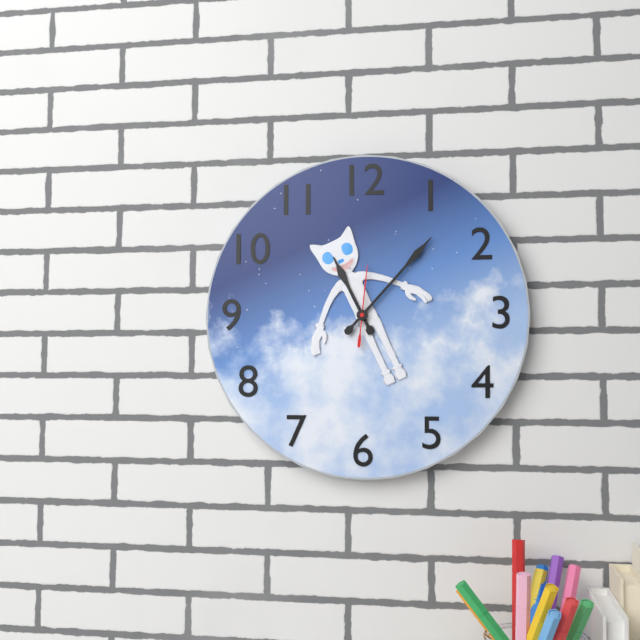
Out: 11:07:01
